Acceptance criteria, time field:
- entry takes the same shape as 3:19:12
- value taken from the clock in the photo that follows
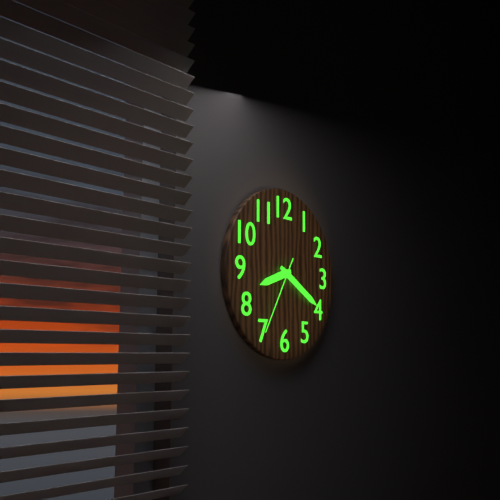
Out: 8:20:35
